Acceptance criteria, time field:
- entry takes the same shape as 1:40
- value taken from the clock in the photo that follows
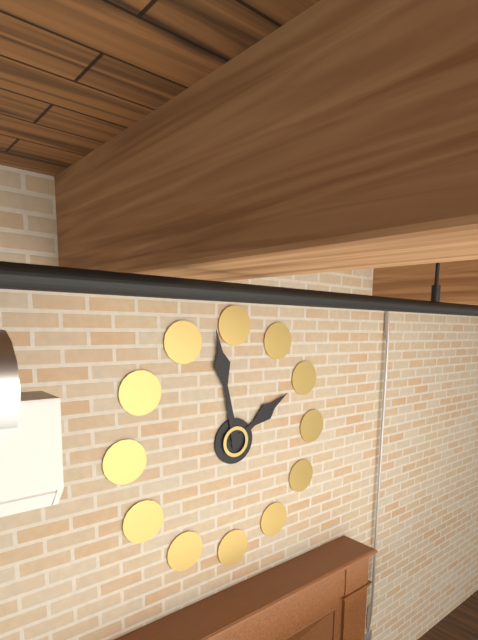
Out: 1:58
